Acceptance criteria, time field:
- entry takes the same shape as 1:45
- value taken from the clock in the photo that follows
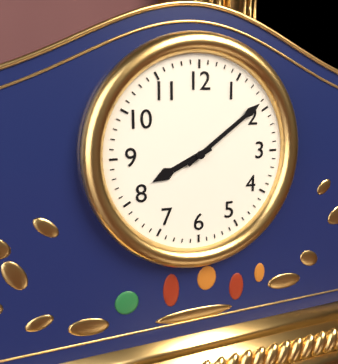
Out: 8:09
